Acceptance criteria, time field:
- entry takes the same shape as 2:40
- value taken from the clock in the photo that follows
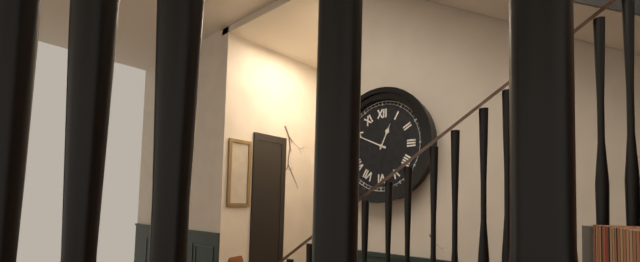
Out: 12:49
